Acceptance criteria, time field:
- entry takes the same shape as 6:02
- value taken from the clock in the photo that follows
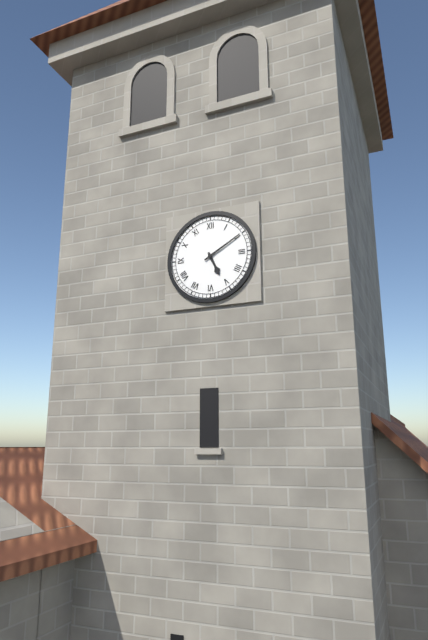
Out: 5:10
